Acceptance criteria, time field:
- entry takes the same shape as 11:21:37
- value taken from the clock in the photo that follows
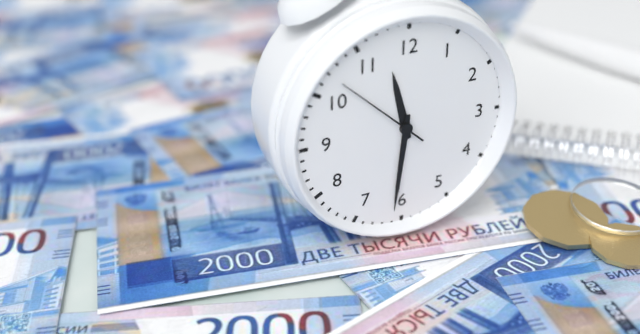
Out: 11:31:52
